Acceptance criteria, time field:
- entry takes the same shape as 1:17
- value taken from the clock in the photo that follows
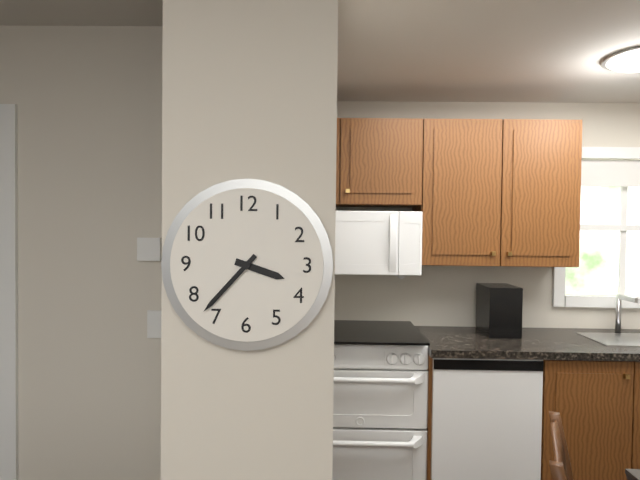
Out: 3:37
